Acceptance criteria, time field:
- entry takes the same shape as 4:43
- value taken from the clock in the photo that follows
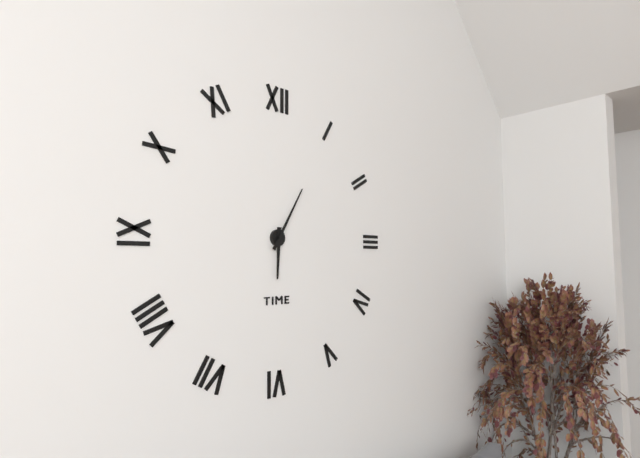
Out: 6:05
